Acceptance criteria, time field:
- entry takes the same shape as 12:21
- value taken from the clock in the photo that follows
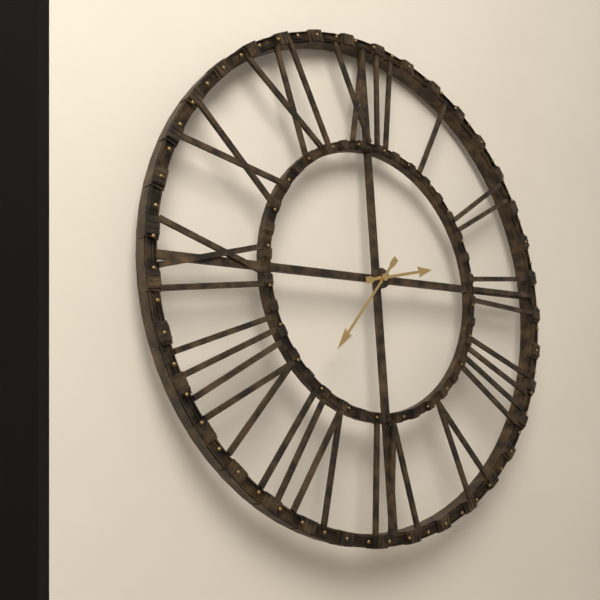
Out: 2:37
